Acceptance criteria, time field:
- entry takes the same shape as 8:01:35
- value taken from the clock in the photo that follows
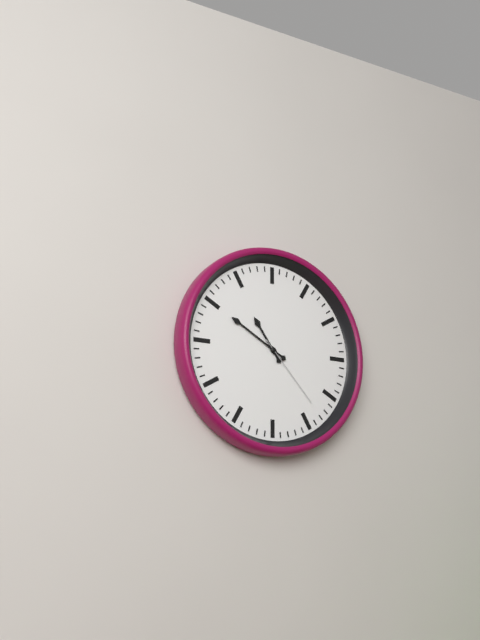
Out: 10:50:23
